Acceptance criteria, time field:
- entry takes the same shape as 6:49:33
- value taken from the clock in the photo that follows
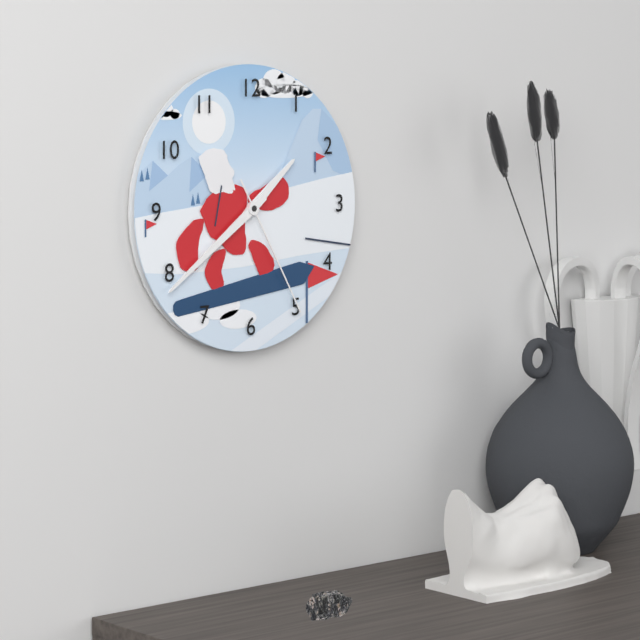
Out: 1:39:25
